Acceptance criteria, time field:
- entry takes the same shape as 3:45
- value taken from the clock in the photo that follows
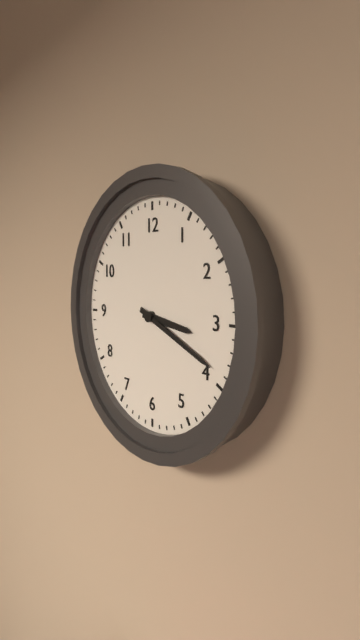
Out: 3:19
